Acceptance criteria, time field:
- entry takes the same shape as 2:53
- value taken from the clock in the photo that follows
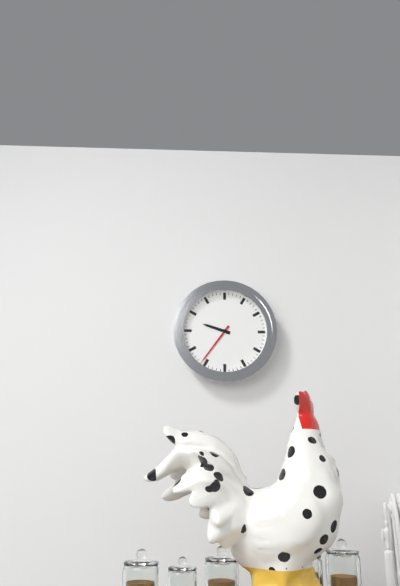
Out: 9:36
